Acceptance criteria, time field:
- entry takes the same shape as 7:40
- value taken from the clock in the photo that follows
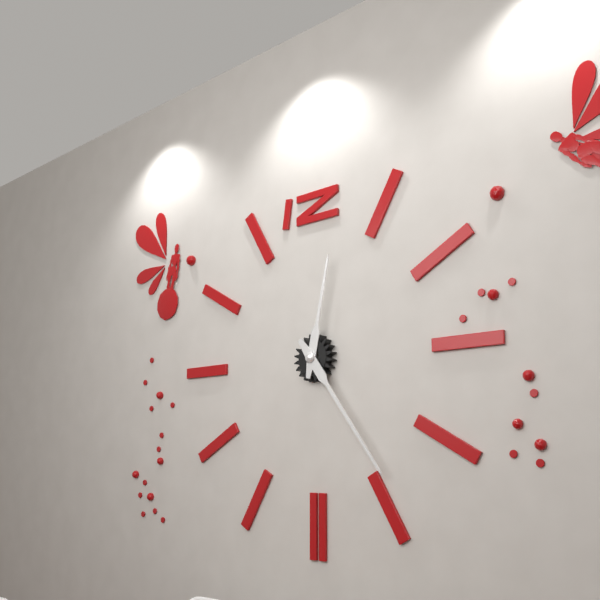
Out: 12:24
